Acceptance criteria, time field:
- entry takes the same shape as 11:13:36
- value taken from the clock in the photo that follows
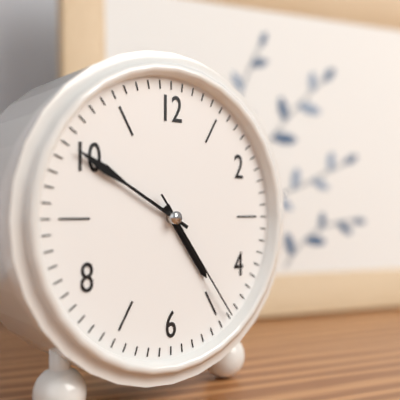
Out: 4:50:24
